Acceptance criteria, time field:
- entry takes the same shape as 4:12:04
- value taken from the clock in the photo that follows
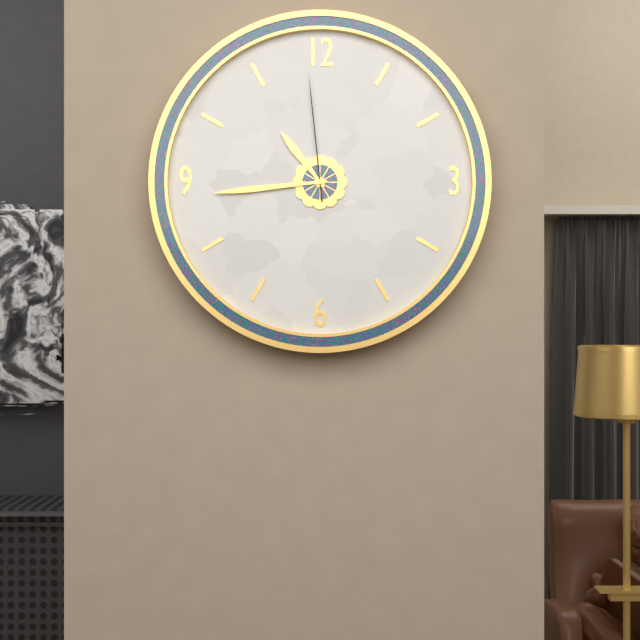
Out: 10:44:59
